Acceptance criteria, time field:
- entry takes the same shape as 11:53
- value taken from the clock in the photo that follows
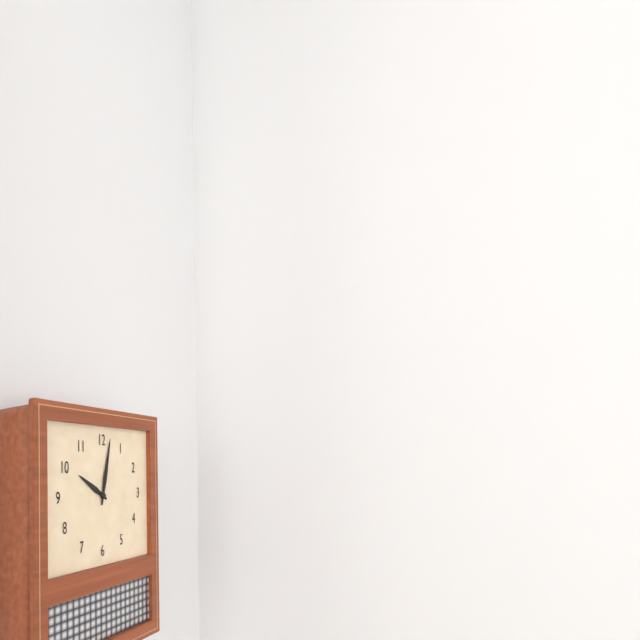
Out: 10:02
